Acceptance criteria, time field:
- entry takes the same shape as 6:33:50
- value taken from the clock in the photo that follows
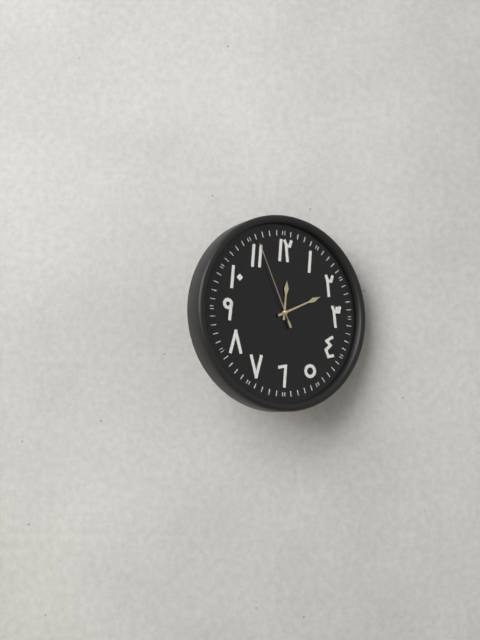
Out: 12:11:56
